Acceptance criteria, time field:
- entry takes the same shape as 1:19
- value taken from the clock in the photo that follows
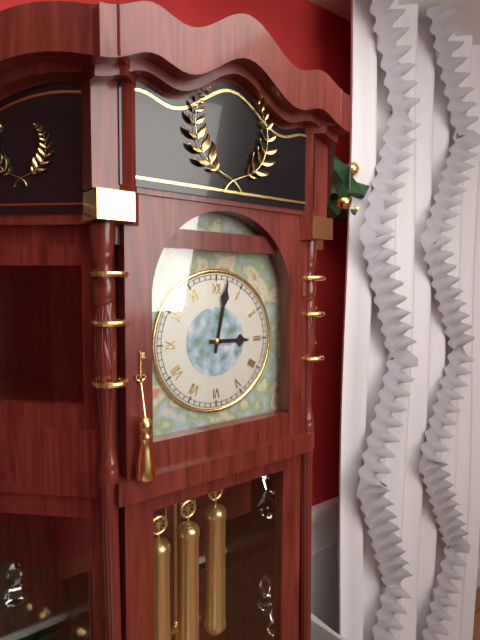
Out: 3:02
